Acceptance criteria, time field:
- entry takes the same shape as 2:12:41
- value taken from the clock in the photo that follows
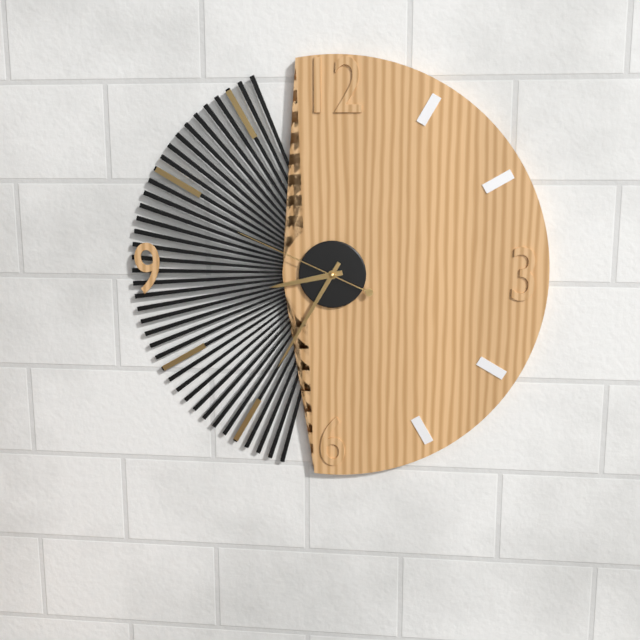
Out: 8:35:49
